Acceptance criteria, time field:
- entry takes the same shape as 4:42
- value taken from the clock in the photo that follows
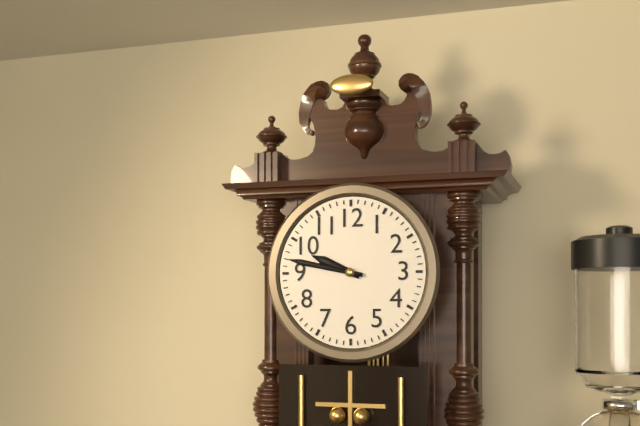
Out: 9:47
